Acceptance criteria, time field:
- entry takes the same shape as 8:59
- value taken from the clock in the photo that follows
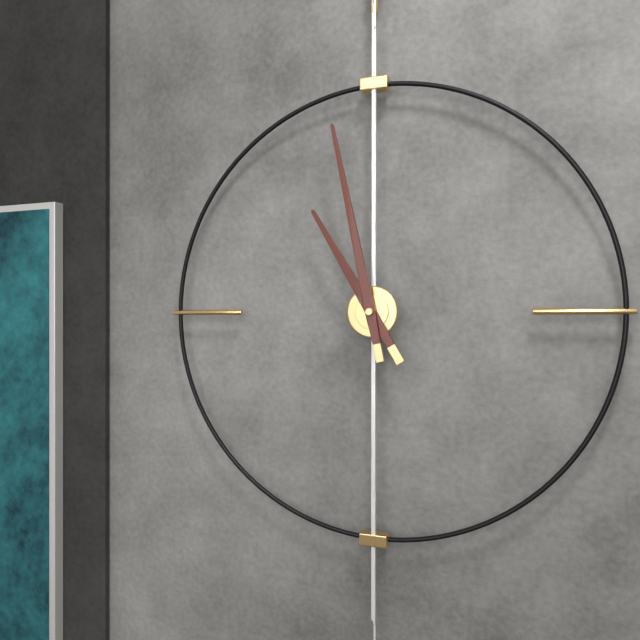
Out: 10:58
